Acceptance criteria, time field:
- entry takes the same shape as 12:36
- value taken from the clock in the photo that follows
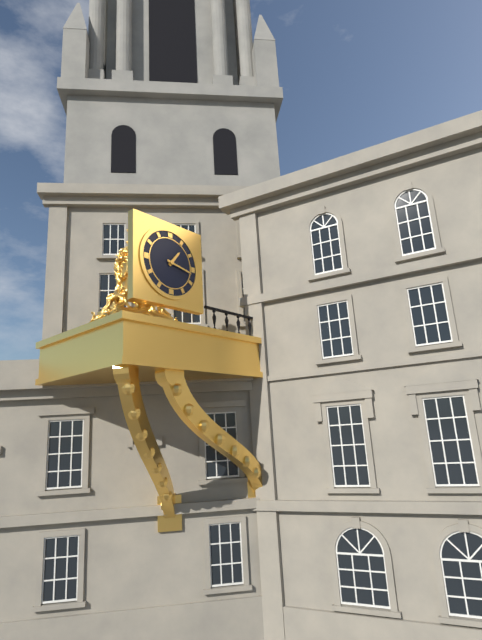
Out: 1:17
